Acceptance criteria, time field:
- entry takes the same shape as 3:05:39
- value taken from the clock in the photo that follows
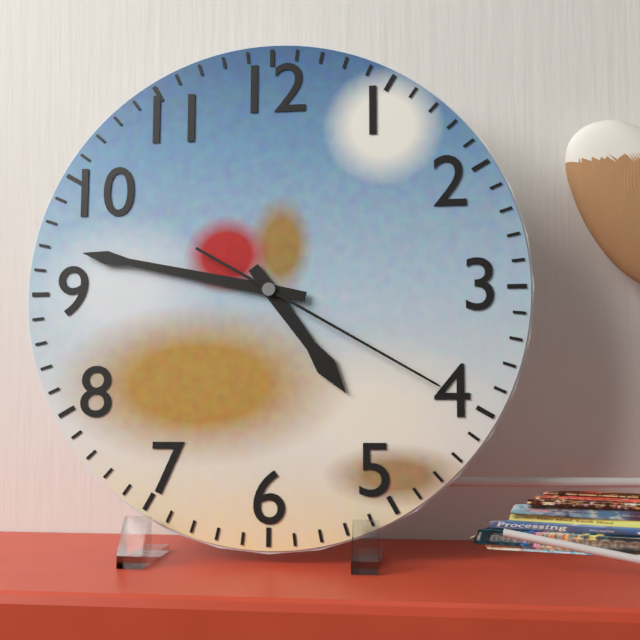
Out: 4:47:20
